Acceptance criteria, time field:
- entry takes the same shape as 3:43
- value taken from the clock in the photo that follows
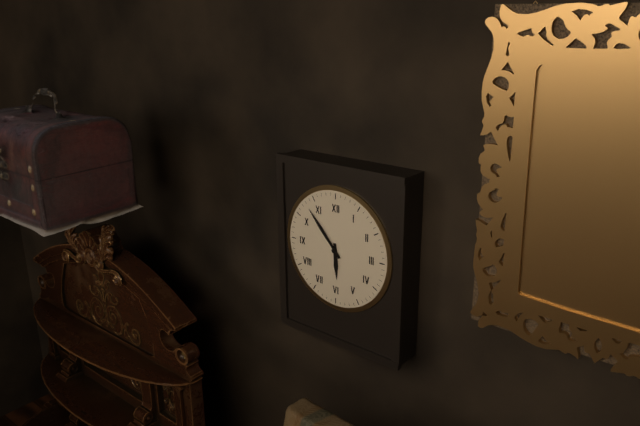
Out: 5:53
